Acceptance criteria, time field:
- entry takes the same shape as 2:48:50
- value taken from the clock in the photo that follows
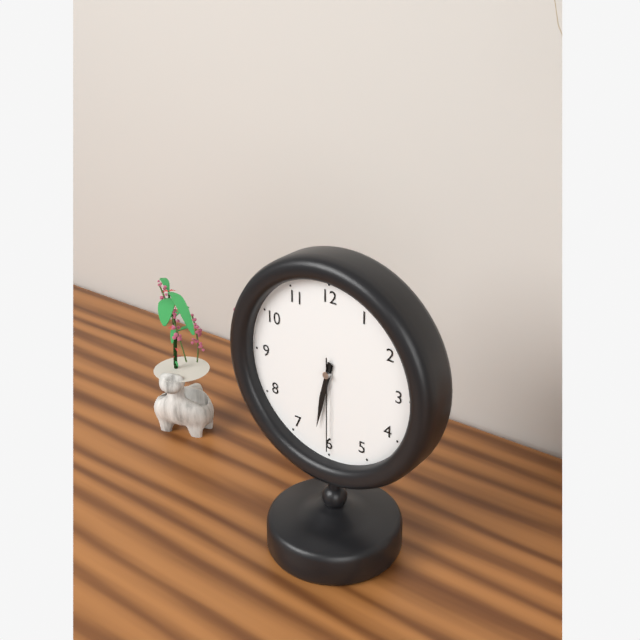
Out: 6:32:30
